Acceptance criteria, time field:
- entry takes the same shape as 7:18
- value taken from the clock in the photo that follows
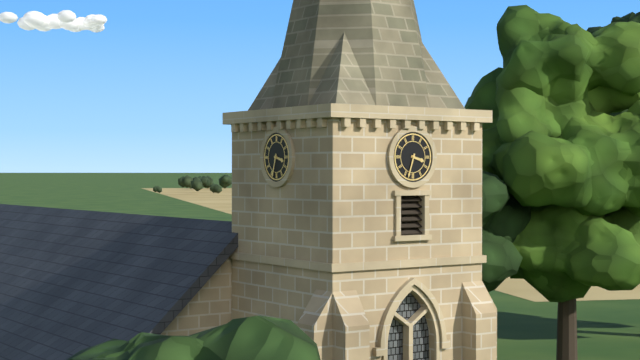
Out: 3:33
